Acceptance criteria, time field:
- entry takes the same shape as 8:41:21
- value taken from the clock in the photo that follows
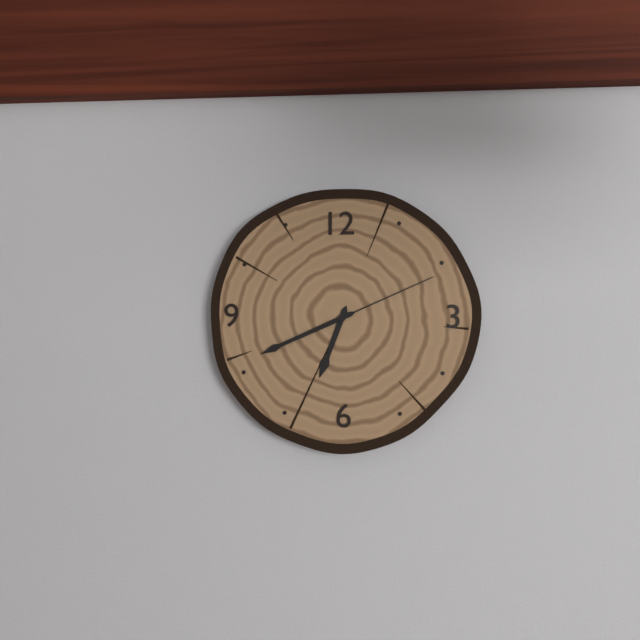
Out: 6:41:11
